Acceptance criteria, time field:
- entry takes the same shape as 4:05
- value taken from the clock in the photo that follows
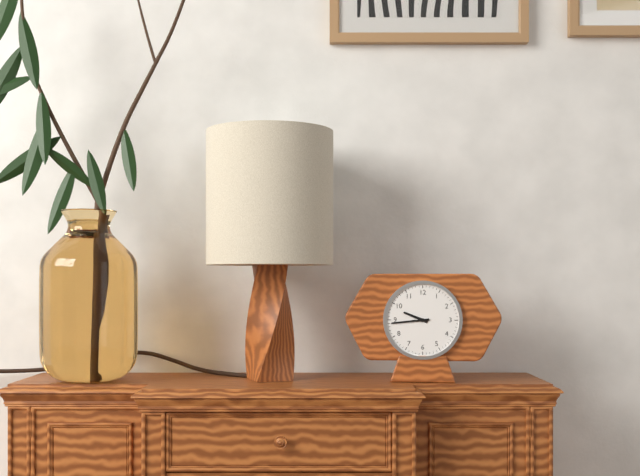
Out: 9:44
